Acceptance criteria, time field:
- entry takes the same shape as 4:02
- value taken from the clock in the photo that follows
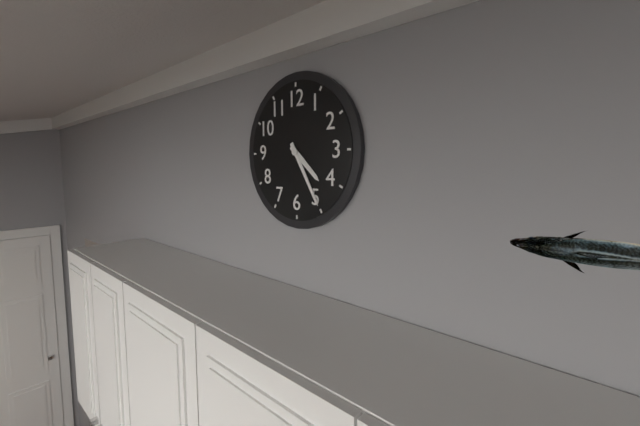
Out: 4:25
